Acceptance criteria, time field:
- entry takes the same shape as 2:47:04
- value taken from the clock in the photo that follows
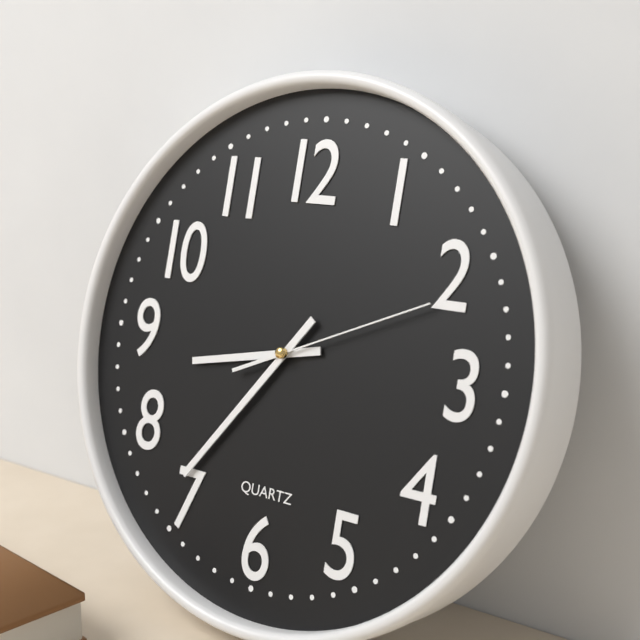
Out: 8:36:11
